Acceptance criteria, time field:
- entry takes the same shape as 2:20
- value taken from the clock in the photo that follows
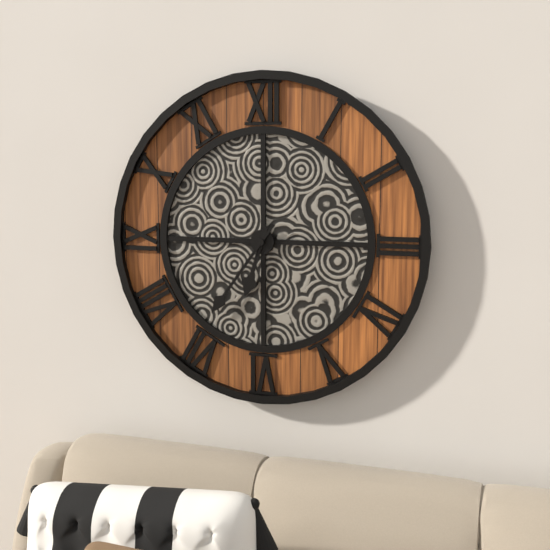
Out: 6:36
